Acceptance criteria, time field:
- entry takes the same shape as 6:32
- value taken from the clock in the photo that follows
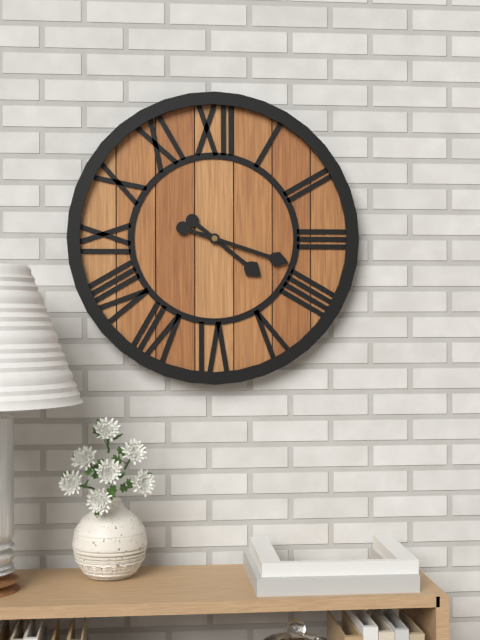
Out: 4:18
